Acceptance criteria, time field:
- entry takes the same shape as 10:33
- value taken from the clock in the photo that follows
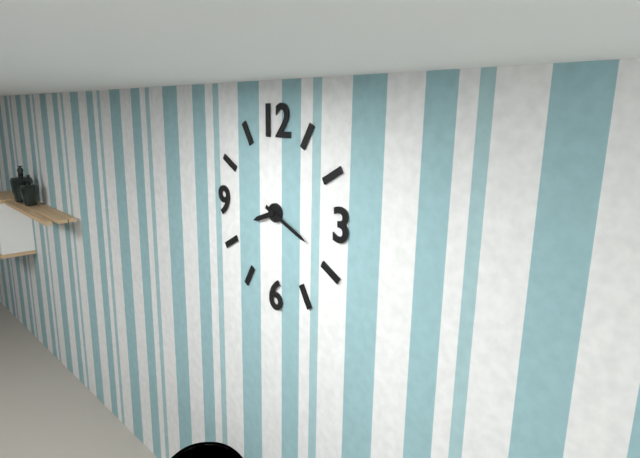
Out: 8:19
